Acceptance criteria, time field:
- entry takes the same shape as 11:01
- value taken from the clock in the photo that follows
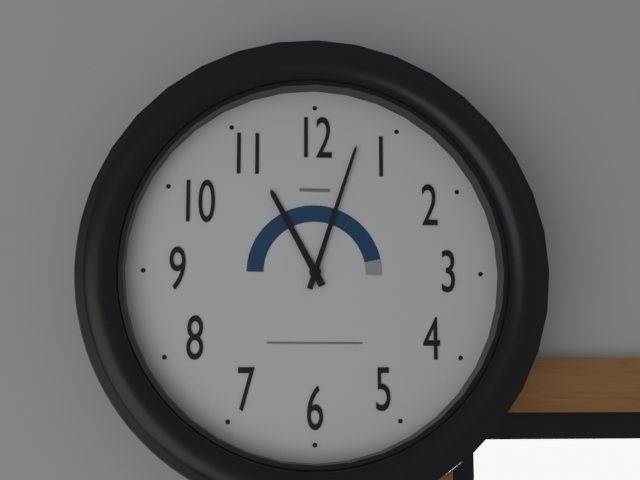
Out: 11:03
